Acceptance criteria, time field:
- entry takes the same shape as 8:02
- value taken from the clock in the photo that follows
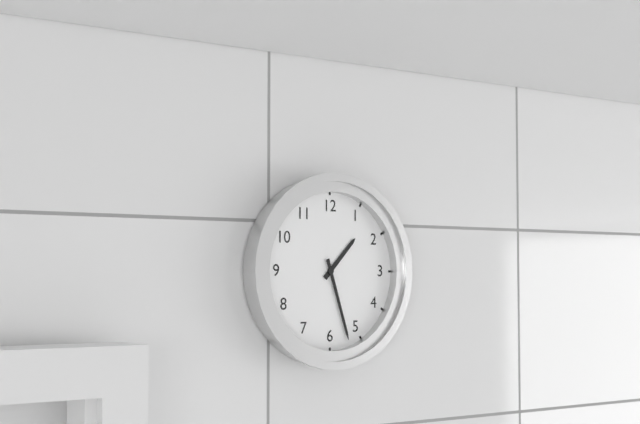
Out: 1:27
